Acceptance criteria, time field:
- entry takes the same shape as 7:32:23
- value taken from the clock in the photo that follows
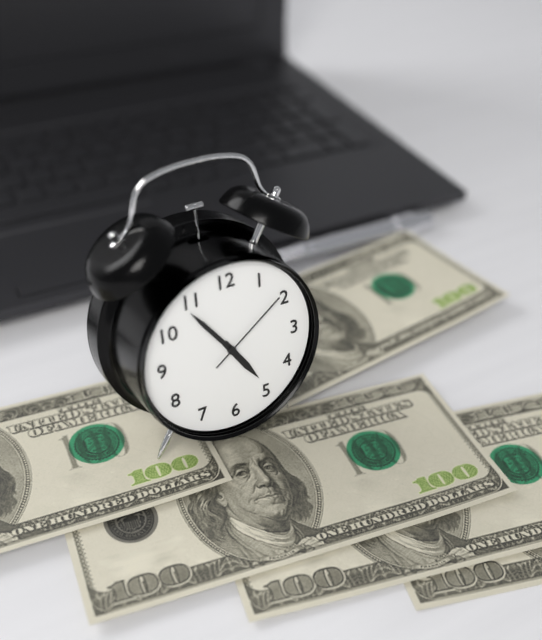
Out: 4:54:09
